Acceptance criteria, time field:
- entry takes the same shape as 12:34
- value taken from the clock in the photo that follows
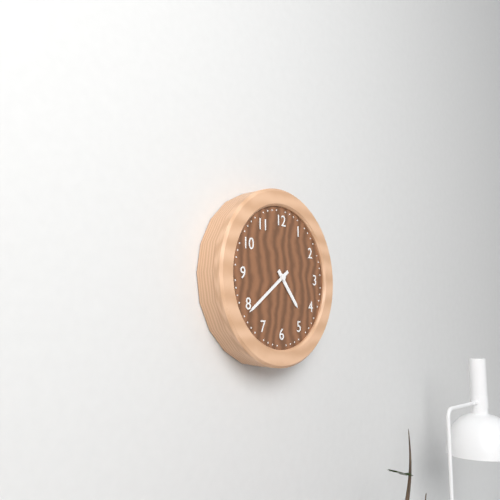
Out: 4:39
